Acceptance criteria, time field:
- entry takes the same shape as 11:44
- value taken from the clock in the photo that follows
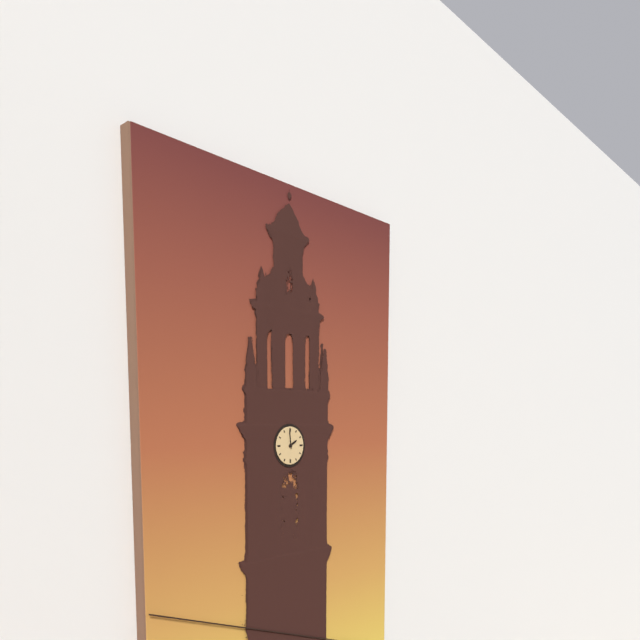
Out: 1:59
